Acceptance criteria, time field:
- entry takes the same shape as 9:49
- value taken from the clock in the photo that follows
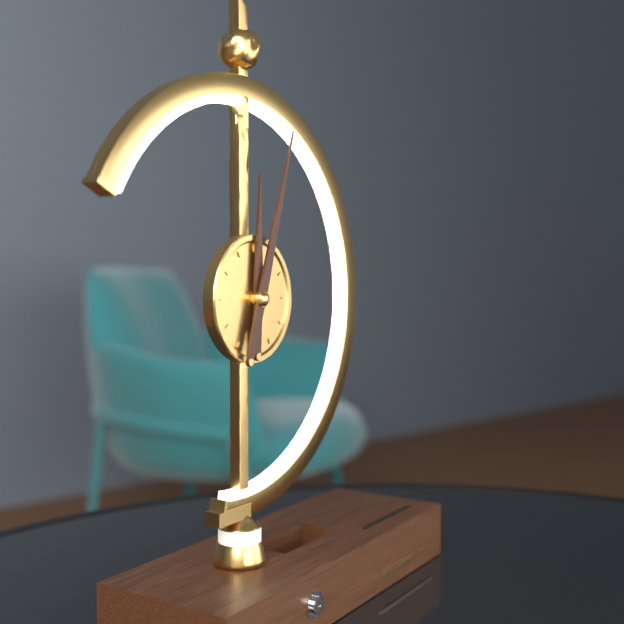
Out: 12:03
